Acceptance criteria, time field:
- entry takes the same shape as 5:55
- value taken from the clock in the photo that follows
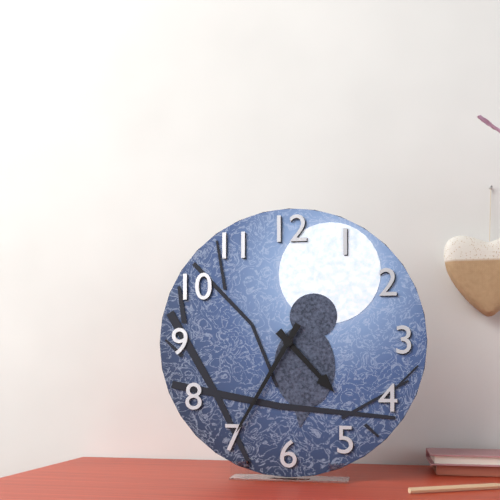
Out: 4:35
